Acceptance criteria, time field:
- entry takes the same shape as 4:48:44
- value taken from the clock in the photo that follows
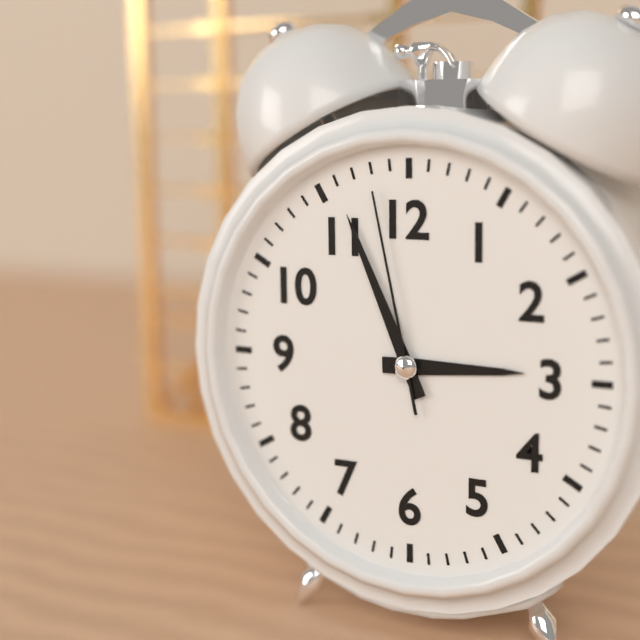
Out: 2:56:58
